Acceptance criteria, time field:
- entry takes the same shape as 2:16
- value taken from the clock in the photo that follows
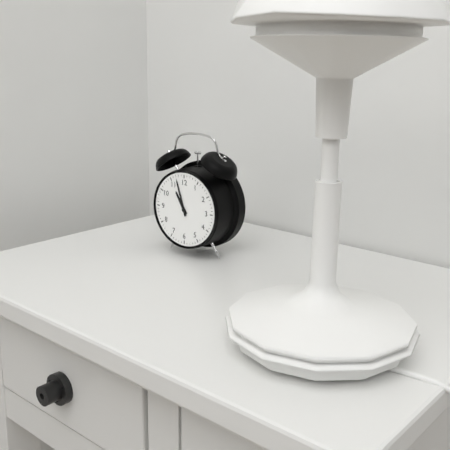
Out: 10:57
